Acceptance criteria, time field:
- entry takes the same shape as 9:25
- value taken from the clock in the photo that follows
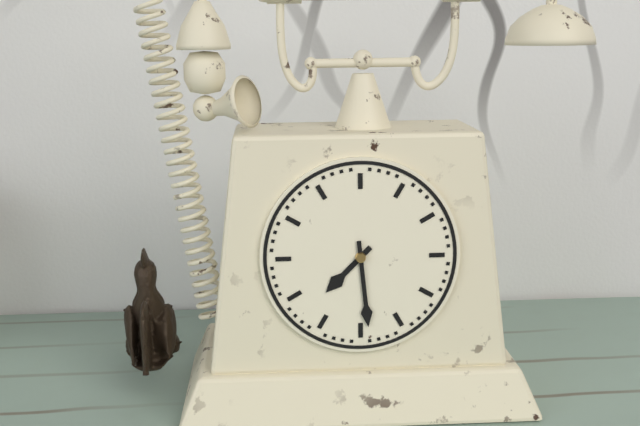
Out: 7:29
